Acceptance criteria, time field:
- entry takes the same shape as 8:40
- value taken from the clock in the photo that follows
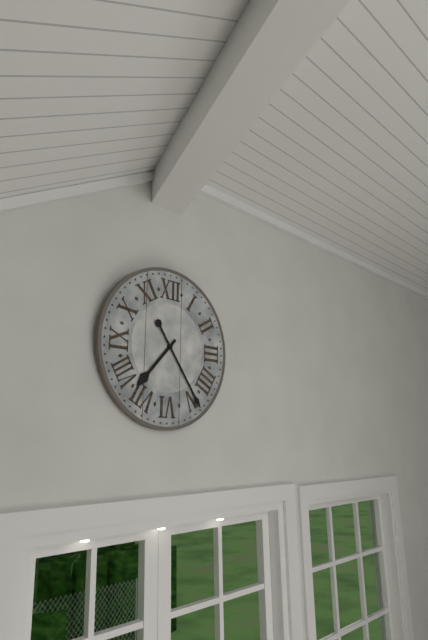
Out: 7:24
